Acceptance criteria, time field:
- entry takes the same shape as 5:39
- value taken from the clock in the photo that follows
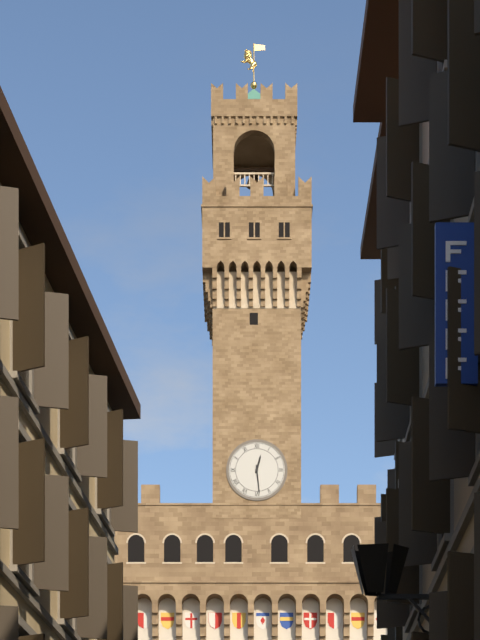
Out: 12:29
